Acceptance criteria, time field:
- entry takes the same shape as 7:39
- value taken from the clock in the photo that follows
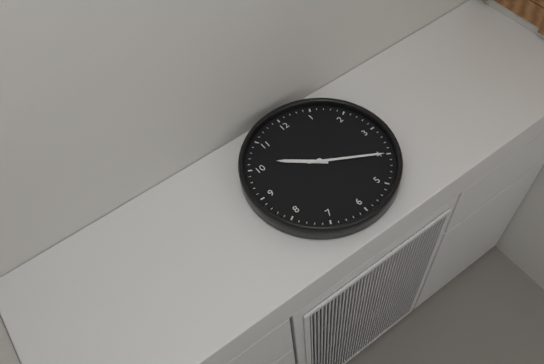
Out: 10:20
